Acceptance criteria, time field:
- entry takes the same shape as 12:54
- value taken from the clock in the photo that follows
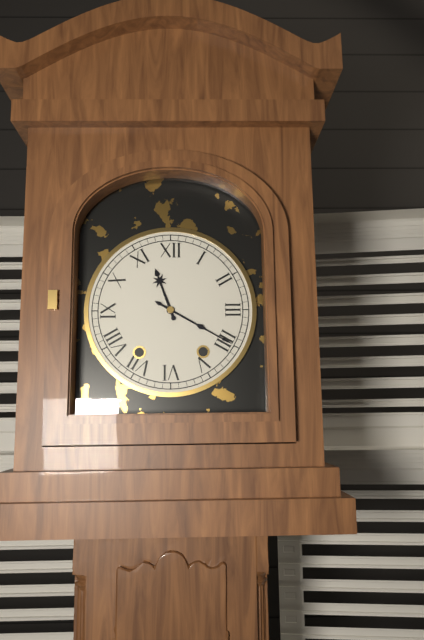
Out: 11:20
